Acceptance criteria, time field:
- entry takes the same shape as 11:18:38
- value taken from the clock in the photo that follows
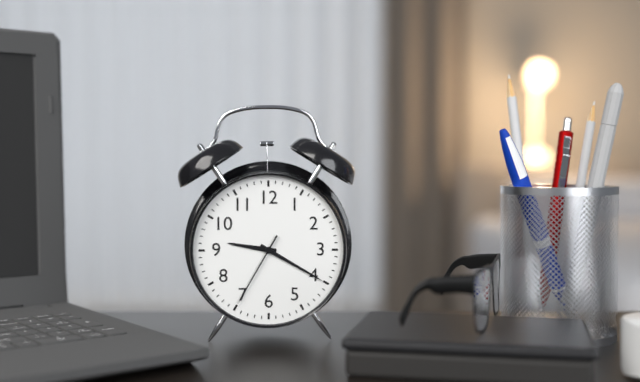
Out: 9:20:35
